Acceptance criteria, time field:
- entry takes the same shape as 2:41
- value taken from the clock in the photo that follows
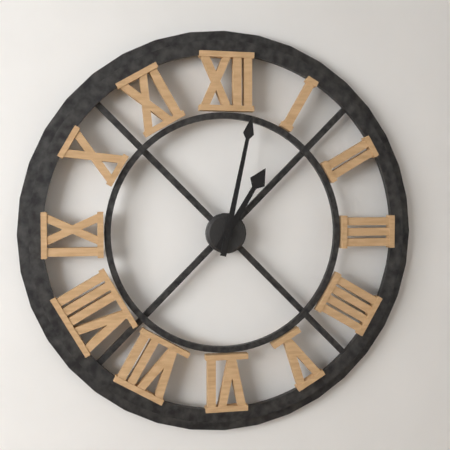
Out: 1:02
